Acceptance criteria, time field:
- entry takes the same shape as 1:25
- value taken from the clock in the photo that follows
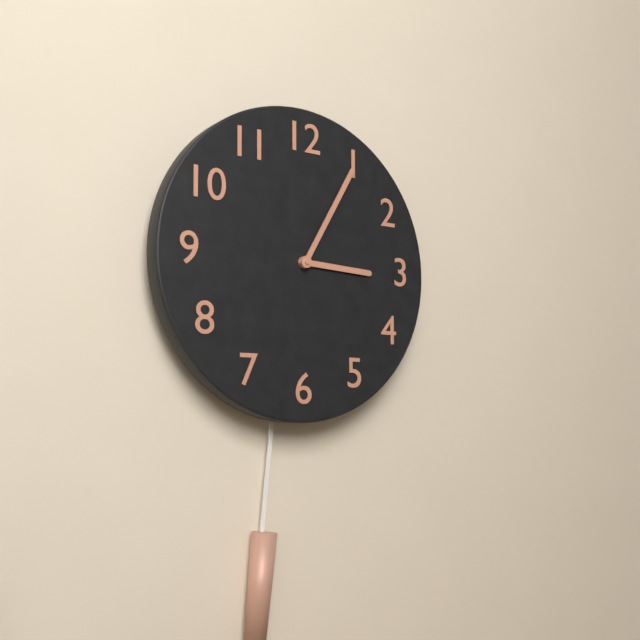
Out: 3:05
